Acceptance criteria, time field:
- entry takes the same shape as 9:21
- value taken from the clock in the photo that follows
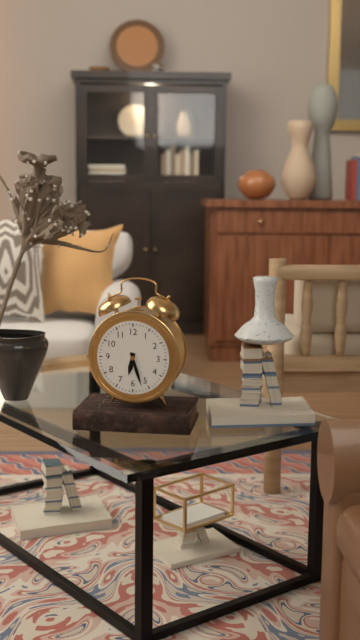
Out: 6:27
